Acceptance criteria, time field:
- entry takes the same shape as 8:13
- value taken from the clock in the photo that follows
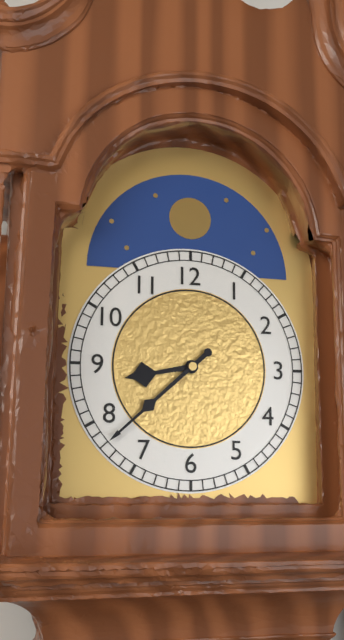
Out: 8:38
